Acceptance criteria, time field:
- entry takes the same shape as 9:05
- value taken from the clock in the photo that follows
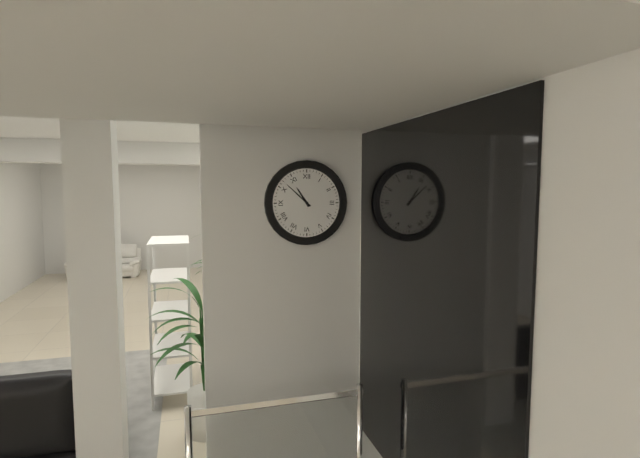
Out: 10:52
